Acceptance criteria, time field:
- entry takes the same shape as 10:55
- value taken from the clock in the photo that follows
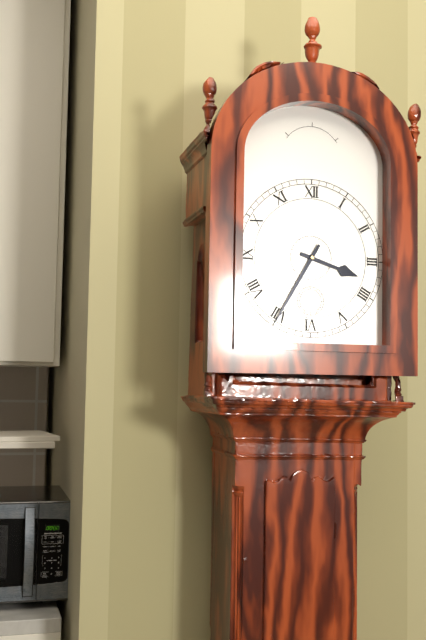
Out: 3:35
